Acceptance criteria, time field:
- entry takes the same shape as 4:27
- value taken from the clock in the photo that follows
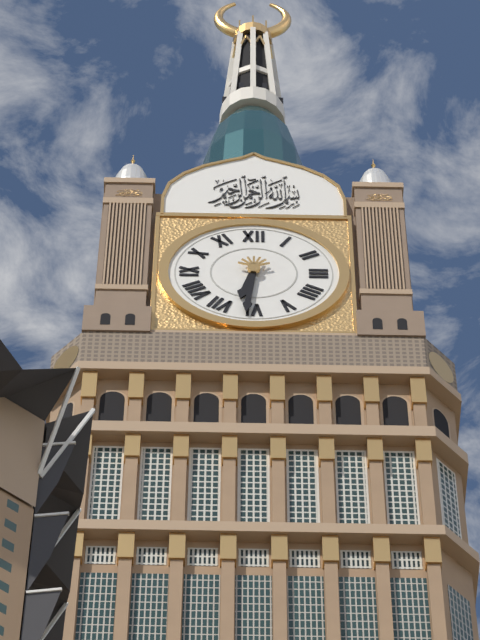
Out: 6:31
